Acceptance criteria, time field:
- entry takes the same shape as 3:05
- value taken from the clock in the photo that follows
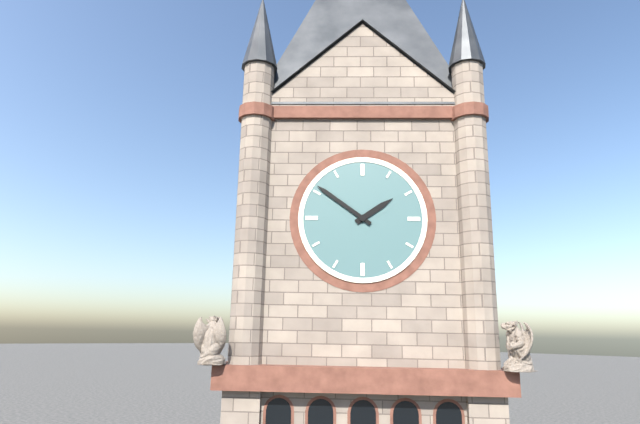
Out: 1:51
